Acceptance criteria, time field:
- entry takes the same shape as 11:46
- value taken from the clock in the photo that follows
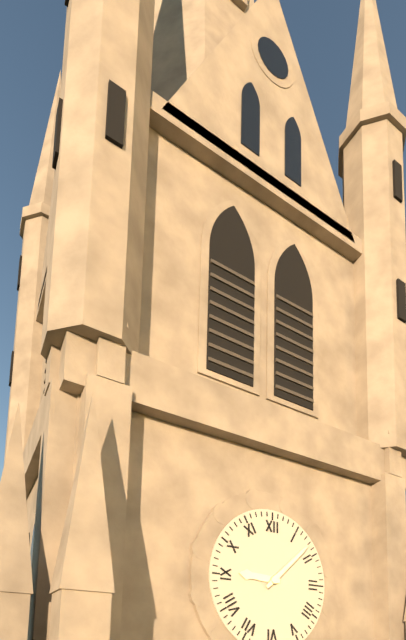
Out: 9:08
